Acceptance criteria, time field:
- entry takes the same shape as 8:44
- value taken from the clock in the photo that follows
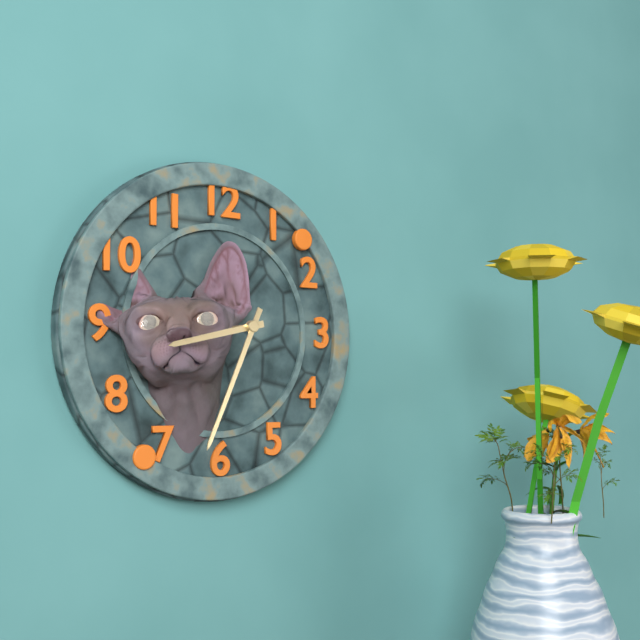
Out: 8:34
